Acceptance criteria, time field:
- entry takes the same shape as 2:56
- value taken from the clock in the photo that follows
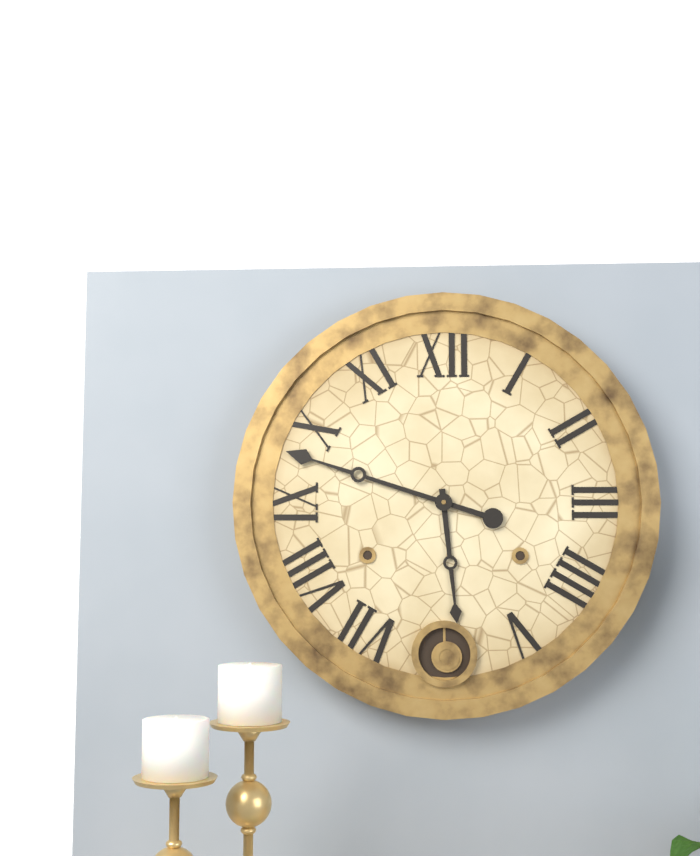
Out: 5:48
